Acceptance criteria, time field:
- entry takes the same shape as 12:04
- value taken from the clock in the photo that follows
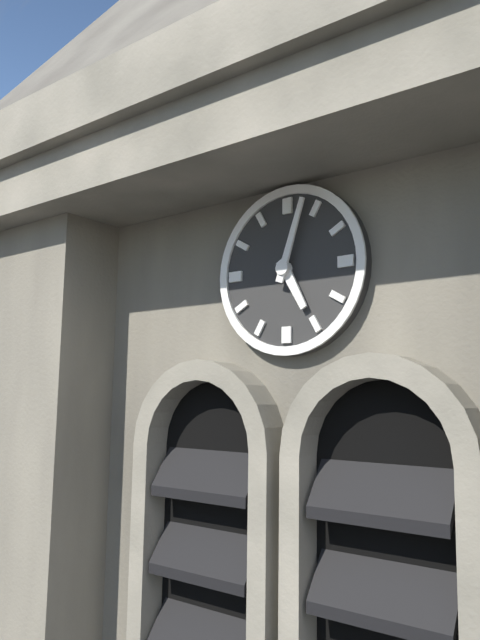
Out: 5:03
